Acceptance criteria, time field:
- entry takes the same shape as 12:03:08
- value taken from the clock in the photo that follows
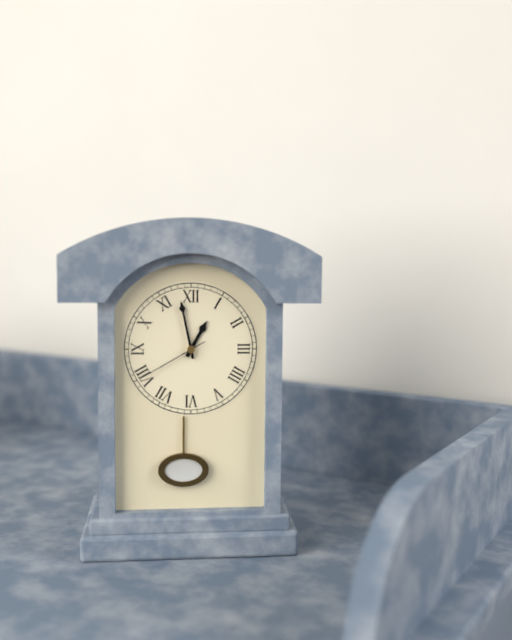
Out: 12:58:40
